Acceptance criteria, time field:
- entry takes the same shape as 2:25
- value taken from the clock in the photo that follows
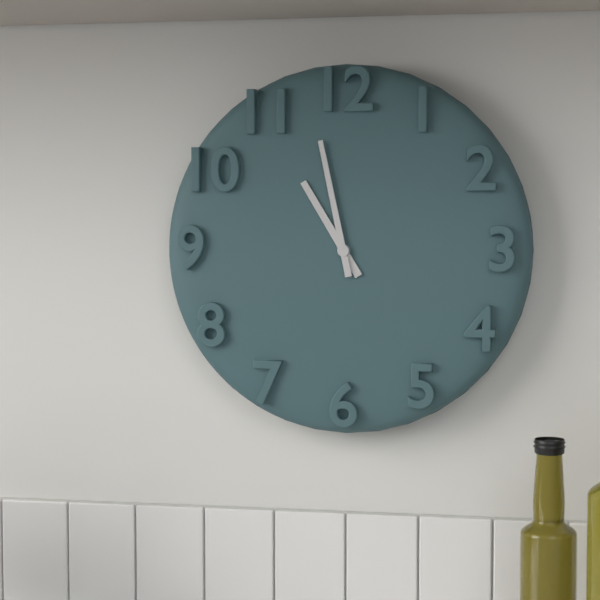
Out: 10:58
